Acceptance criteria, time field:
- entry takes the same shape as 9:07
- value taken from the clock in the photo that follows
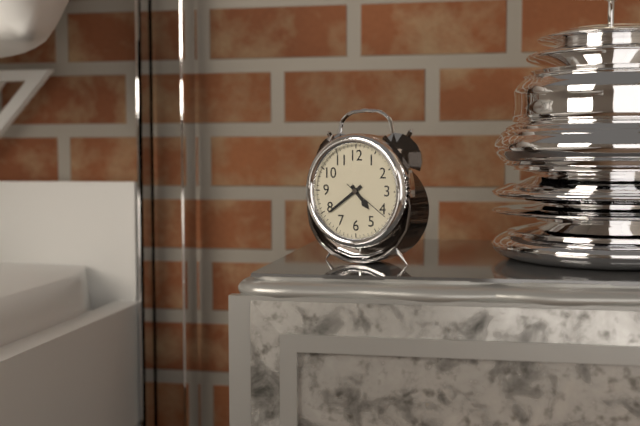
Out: 4:39
